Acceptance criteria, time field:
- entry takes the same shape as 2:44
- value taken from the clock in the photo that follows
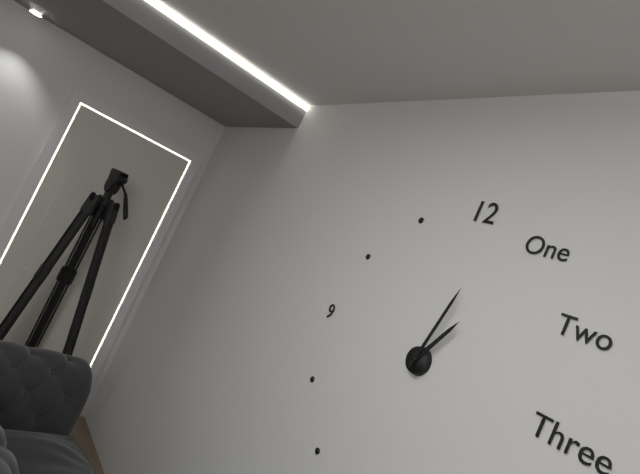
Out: 1:02
